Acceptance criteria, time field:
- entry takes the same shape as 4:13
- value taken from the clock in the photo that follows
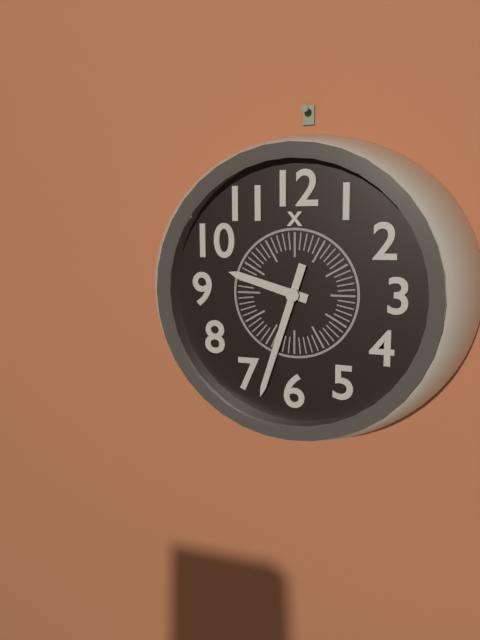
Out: 9:33
